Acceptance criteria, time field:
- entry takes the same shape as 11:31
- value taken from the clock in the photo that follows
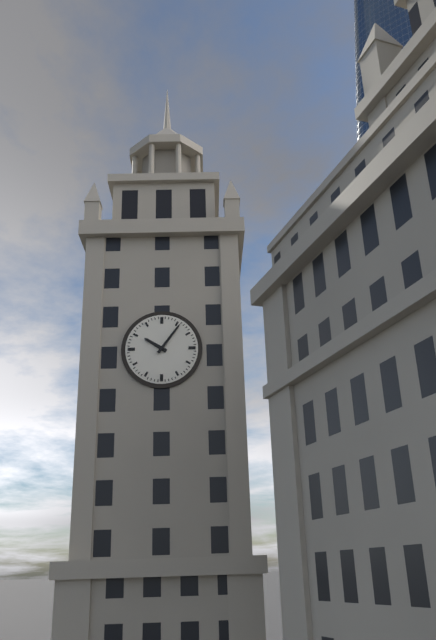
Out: 10:06
